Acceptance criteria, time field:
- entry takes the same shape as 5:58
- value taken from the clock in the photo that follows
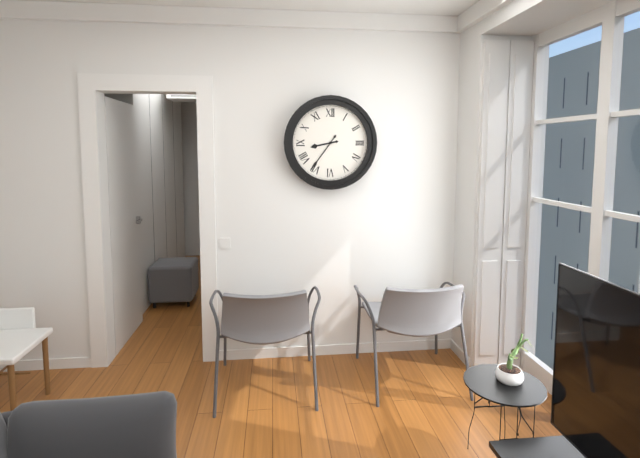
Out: 8:36
